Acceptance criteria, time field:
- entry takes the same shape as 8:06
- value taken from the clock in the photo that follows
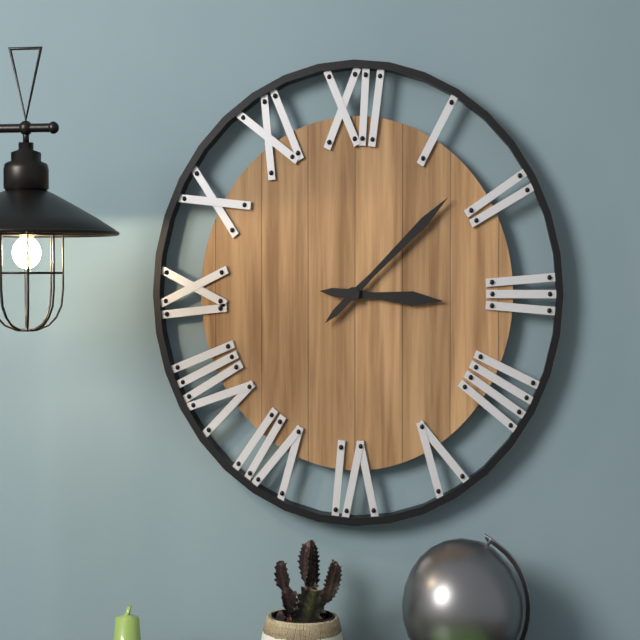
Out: 3:08
